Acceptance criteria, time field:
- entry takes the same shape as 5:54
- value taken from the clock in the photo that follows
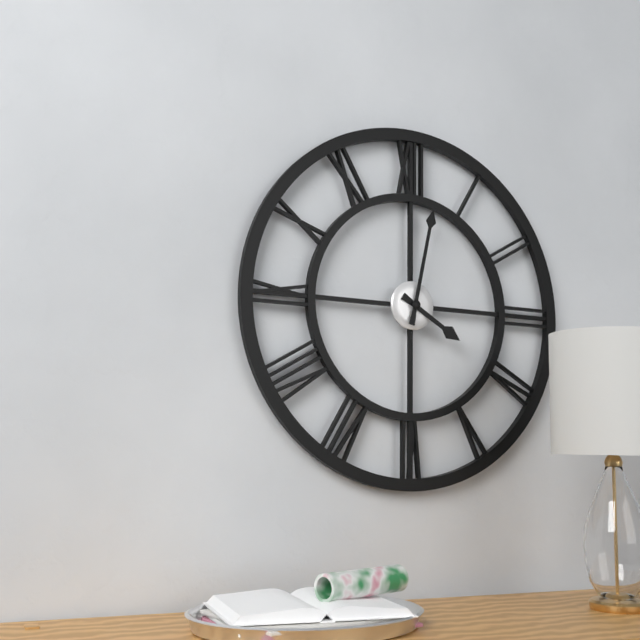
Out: 4:02
